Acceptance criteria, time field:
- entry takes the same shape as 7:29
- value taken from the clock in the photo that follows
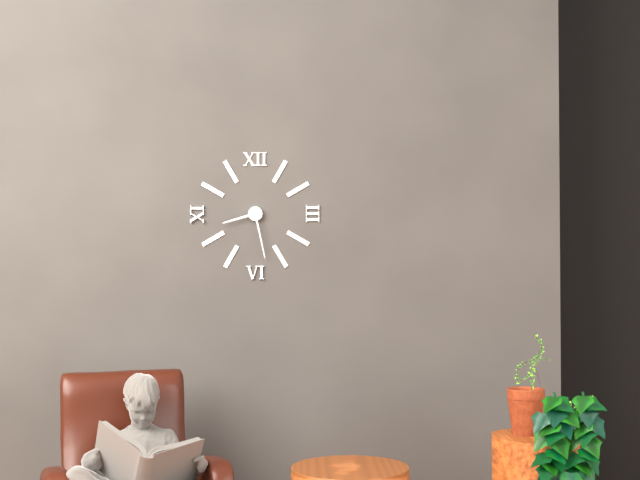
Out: 8:28
